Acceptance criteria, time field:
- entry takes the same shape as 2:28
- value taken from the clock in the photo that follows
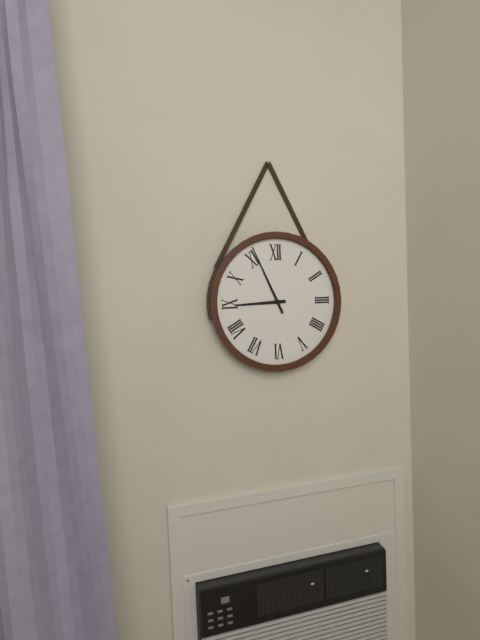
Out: 8:56
